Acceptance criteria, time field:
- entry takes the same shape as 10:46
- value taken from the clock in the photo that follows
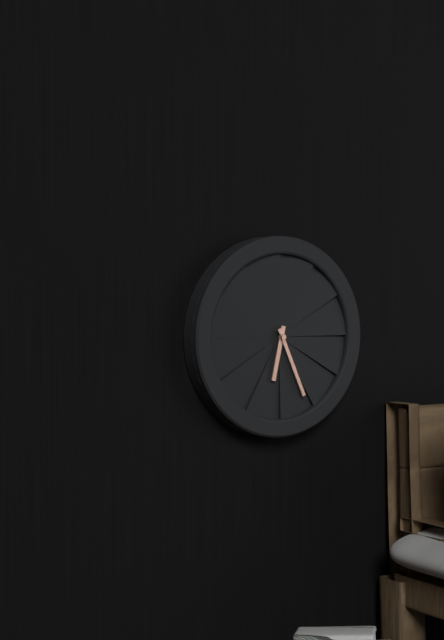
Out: 6:26
